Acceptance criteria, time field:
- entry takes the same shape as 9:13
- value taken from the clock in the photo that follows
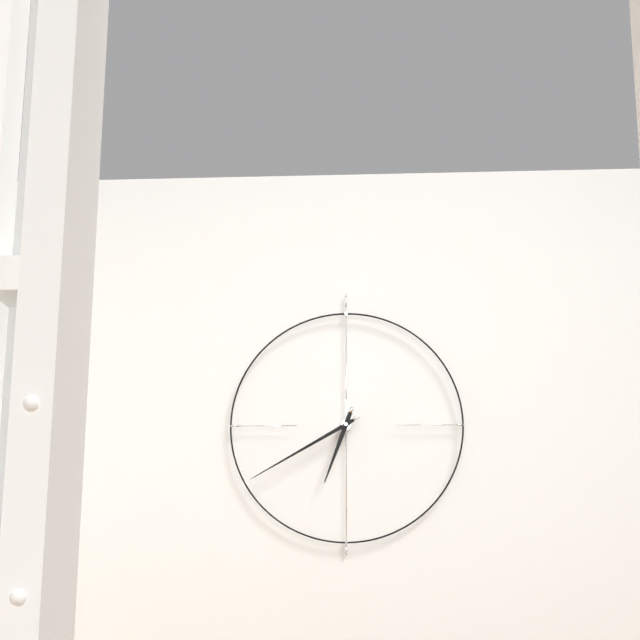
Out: 6:40
